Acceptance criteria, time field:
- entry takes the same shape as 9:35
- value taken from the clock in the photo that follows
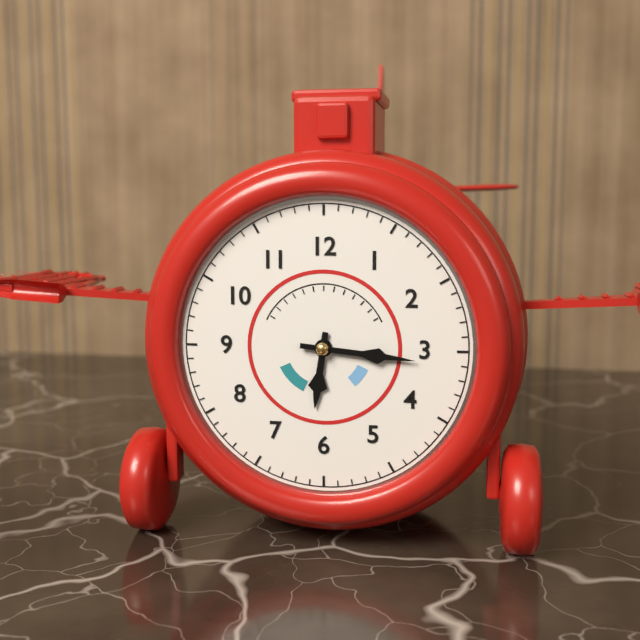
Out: 6:16
